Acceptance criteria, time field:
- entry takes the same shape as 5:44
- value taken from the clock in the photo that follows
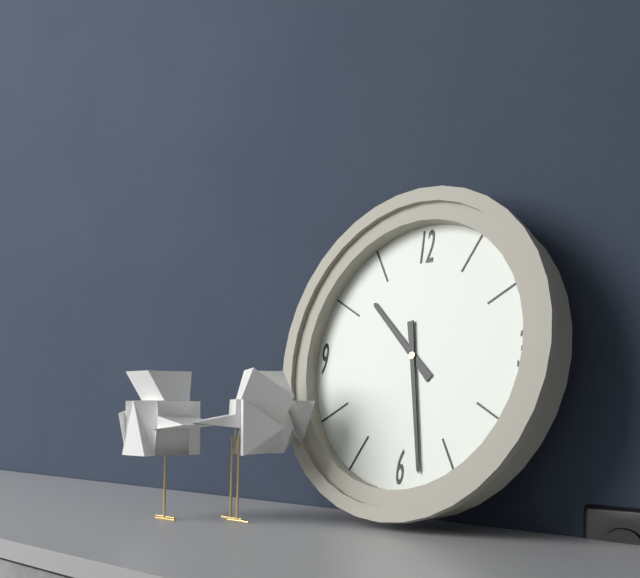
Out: 10:28
